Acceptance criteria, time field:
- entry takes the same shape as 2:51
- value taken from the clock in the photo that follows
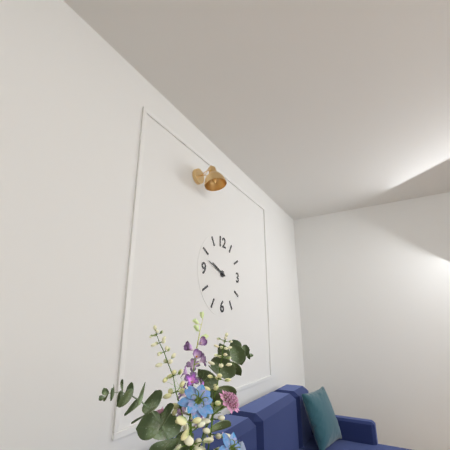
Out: 9:48
